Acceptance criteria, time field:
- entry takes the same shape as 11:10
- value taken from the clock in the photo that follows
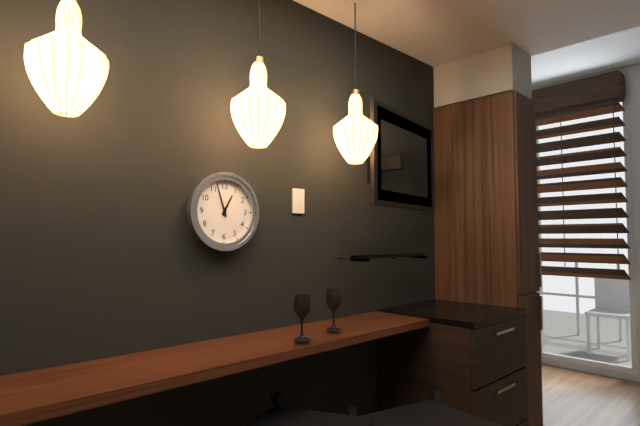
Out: 12:57
